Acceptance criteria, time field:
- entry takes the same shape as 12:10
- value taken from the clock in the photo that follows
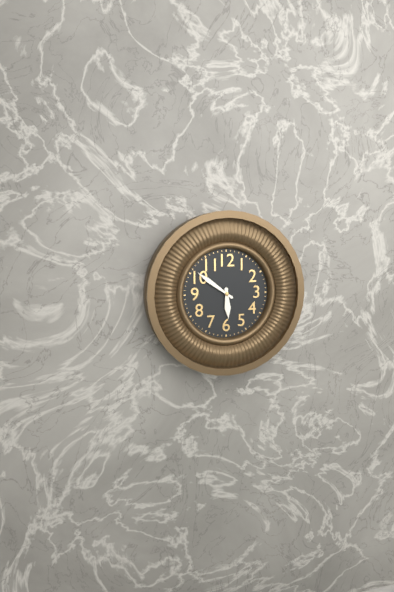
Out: 5:51
